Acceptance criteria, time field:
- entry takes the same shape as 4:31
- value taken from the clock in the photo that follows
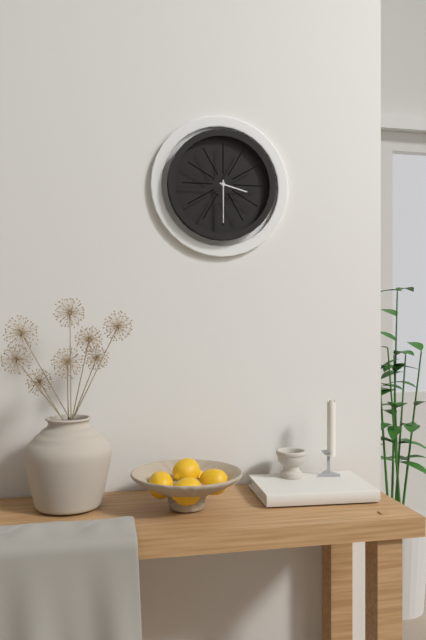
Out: 3:30
